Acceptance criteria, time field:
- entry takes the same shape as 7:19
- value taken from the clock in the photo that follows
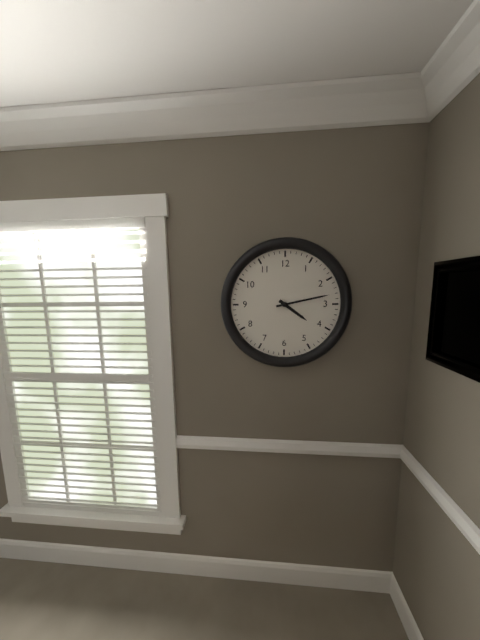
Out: 4:13
